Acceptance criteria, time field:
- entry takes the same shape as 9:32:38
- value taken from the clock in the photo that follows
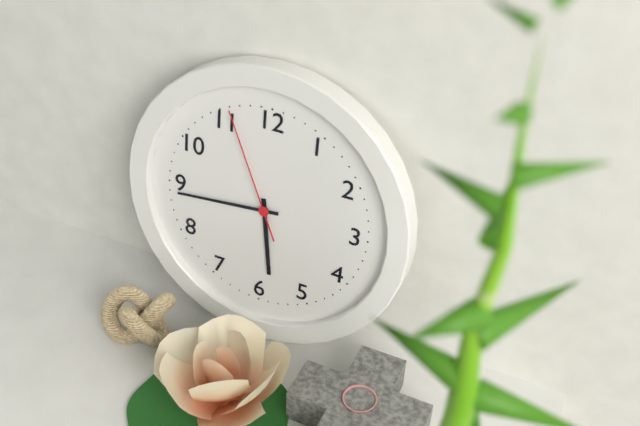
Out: 5:44:56
